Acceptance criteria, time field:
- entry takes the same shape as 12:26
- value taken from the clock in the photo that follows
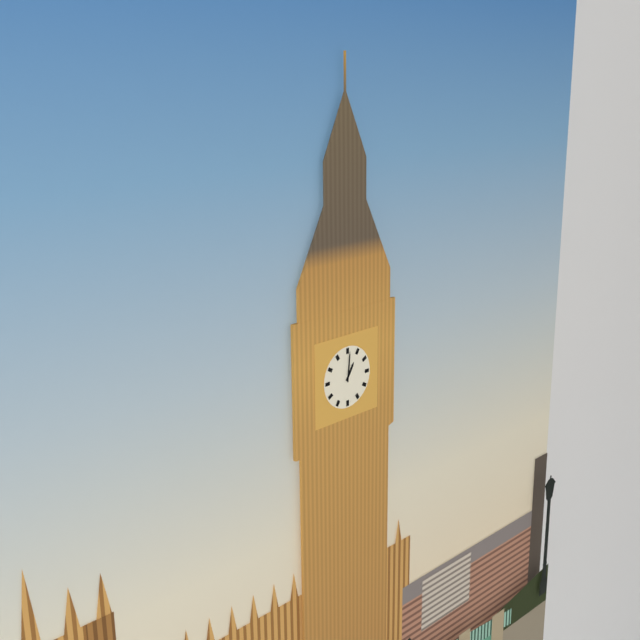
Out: 1:01
